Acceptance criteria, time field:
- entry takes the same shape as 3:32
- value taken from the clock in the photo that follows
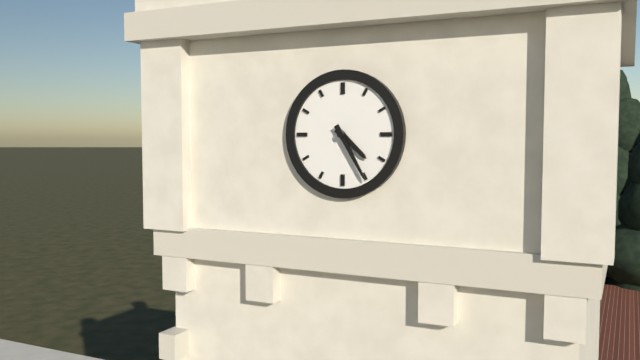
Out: 4:25
